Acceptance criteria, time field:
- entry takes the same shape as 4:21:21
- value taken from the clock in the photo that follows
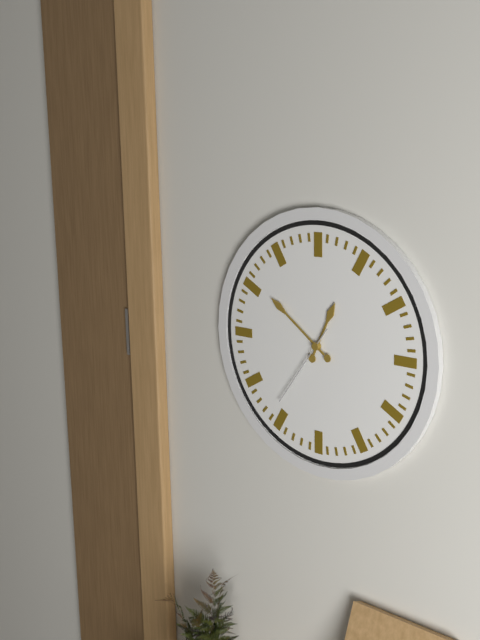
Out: 12:51:36
